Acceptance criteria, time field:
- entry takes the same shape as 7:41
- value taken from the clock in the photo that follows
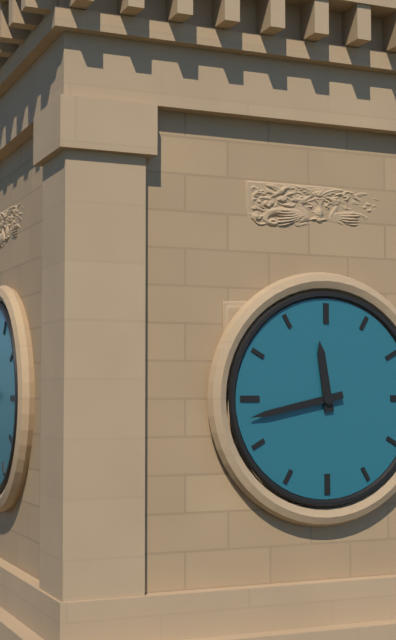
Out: 11:43
